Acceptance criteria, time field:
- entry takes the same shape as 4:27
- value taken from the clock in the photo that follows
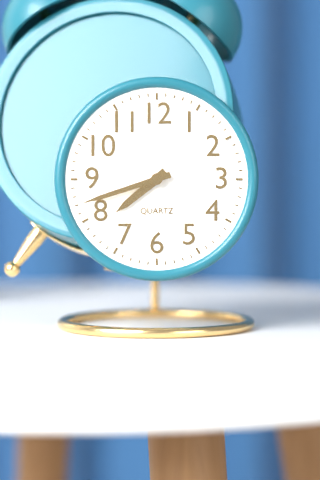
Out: 7:42
